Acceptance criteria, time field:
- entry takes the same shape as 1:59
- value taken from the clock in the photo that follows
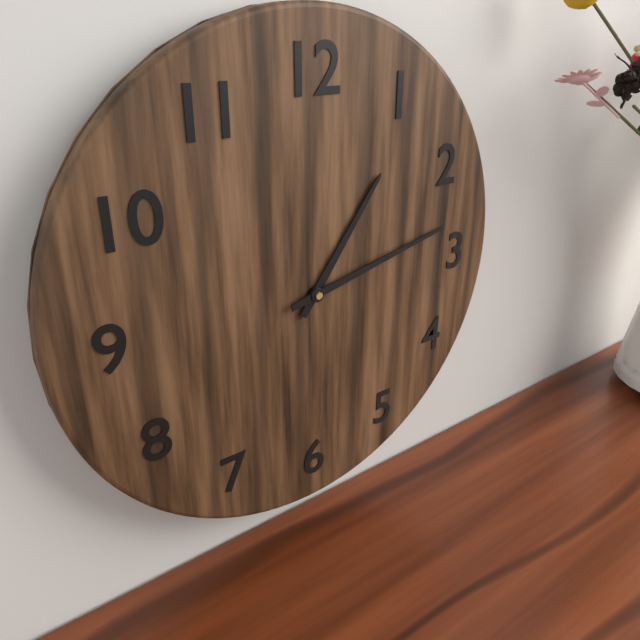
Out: 1:13
